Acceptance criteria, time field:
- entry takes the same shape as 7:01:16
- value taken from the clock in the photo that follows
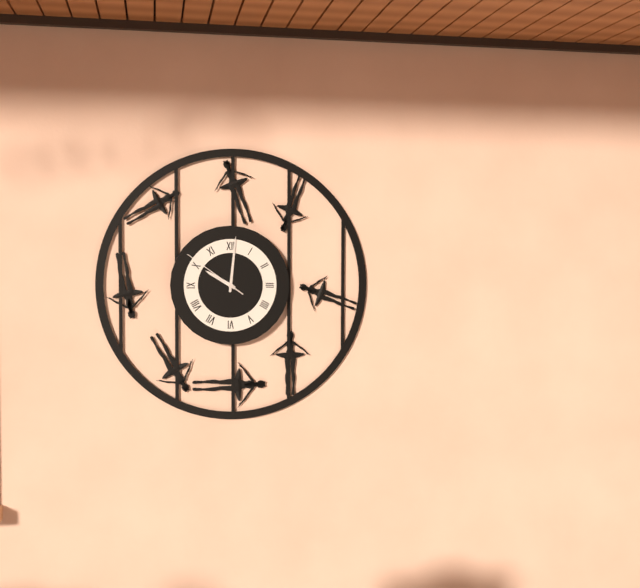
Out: 10:01:51
